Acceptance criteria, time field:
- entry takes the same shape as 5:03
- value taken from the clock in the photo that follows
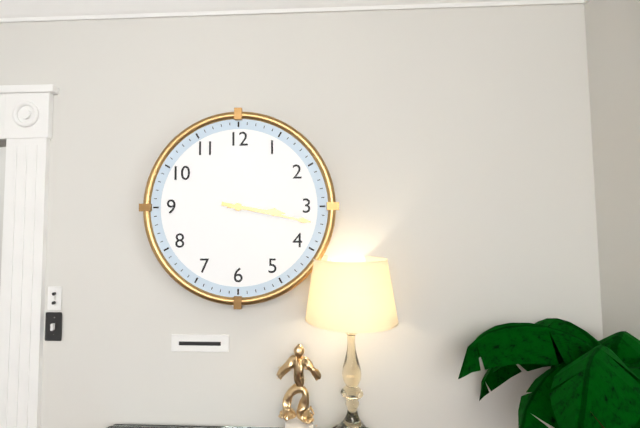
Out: 3:17
